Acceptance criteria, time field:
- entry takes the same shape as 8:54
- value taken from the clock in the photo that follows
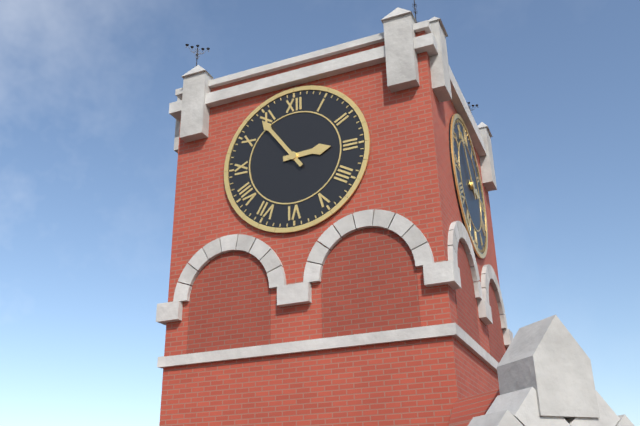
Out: 2:54
